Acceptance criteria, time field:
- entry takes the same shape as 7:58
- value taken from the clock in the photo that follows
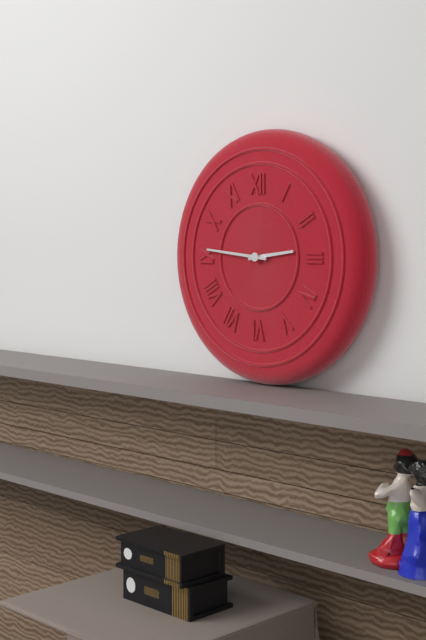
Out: 2:46
